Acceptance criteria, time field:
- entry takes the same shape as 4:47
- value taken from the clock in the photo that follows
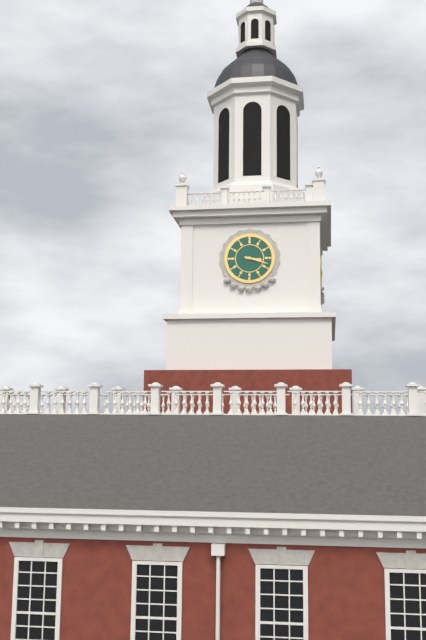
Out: 3:18
